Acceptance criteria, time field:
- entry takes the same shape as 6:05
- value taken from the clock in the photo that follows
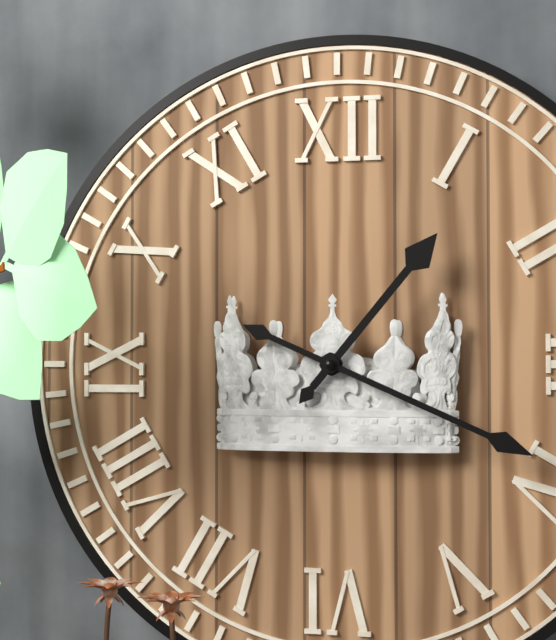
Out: 1:19
